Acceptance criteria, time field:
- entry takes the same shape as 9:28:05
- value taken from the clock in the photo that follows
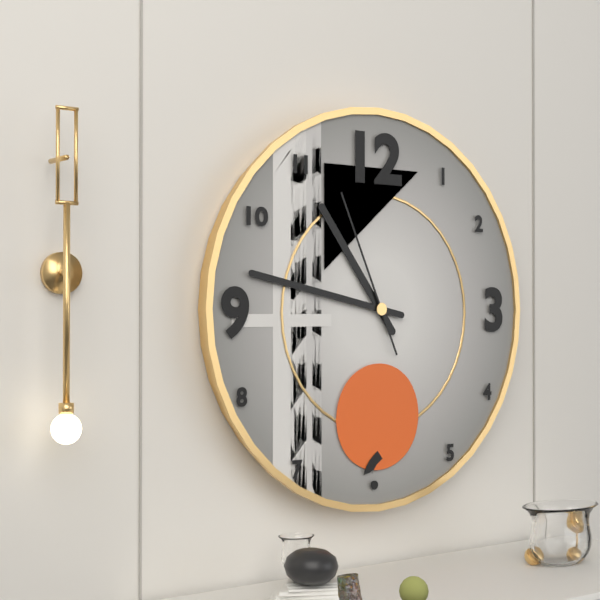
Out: 10:47:56
